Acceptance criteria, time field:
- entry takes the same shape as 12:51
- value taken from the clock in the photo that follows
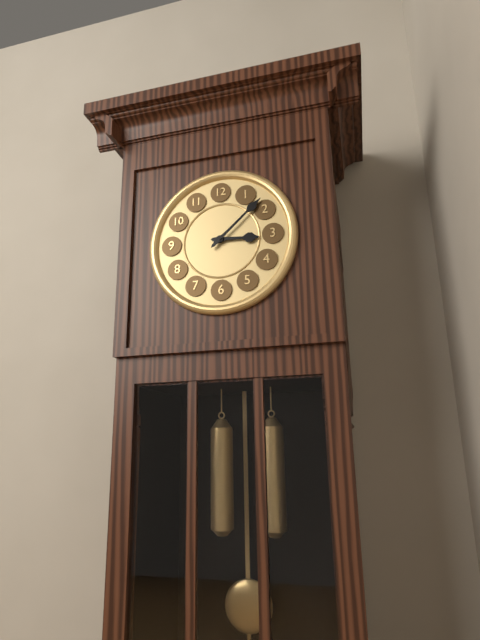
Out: 3:08
